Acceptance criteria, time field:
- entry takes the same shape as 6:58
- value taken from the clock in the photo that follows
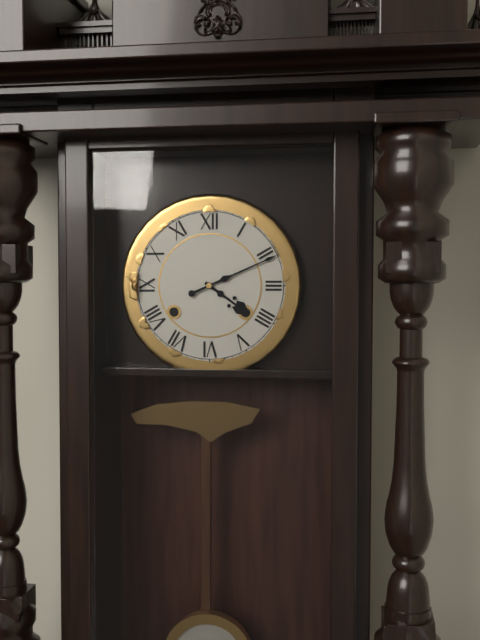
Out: 4:11
